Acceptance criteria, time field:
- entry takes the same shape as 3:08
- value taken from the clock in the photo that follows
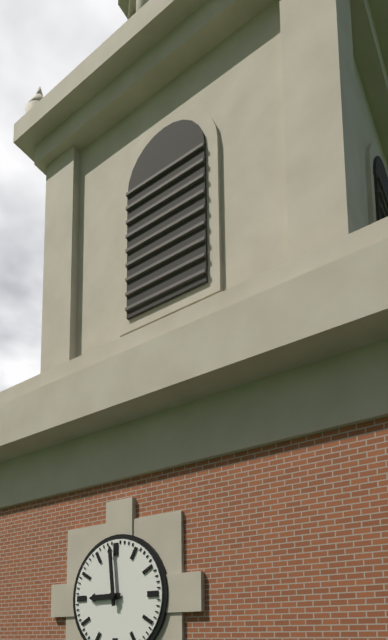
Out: 8:59
